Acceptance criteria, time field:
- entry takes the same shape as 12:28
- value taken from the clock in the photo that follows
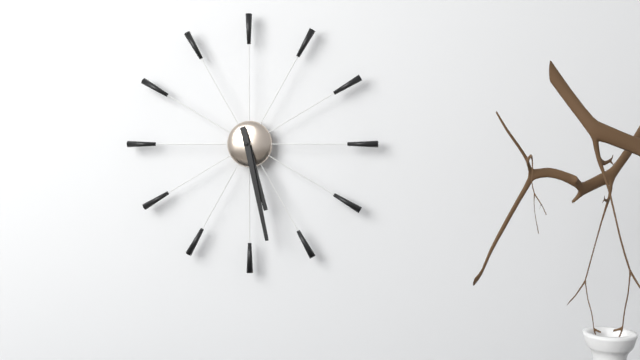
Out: 5:28
